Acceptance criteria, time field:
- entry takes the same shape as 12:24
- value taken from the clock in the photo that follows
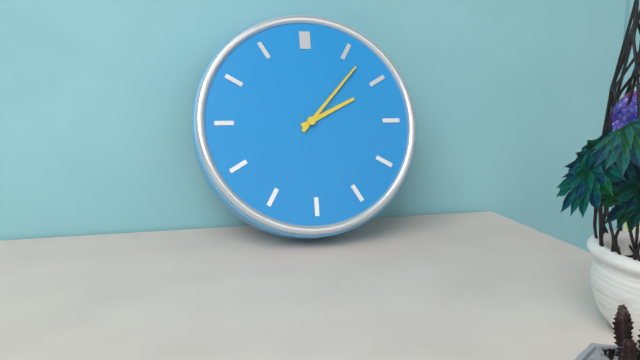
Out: 2:07
